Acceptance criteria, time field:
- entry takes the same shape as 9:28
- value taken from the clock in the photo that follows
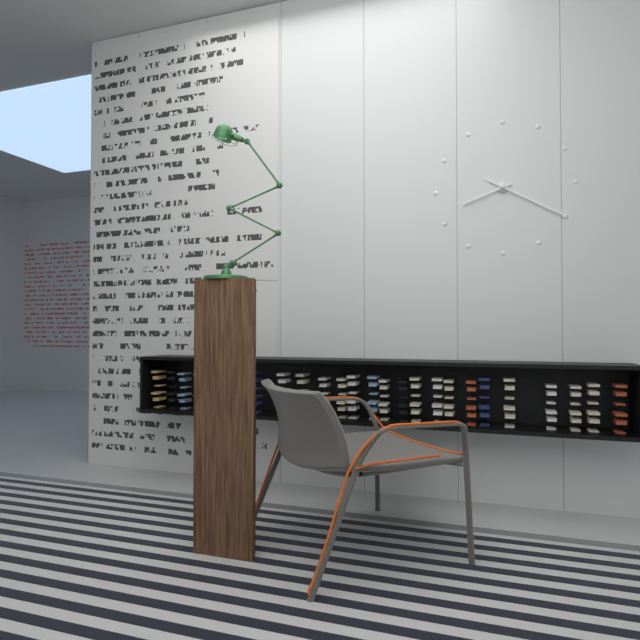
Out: 8:20
